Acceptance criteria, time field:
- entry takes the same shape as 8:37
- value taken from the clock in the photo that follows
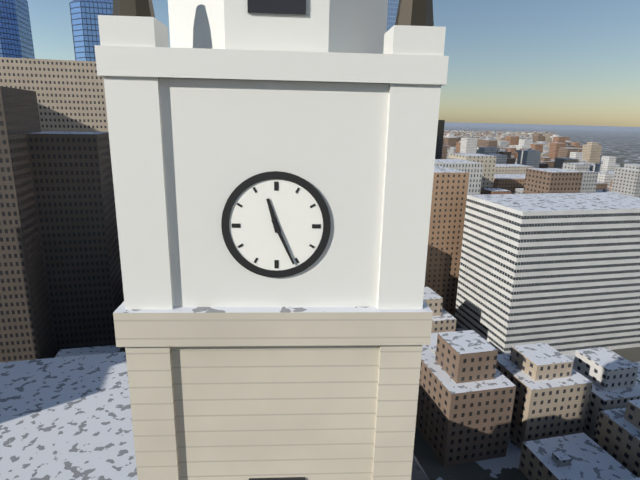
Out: 11:26
